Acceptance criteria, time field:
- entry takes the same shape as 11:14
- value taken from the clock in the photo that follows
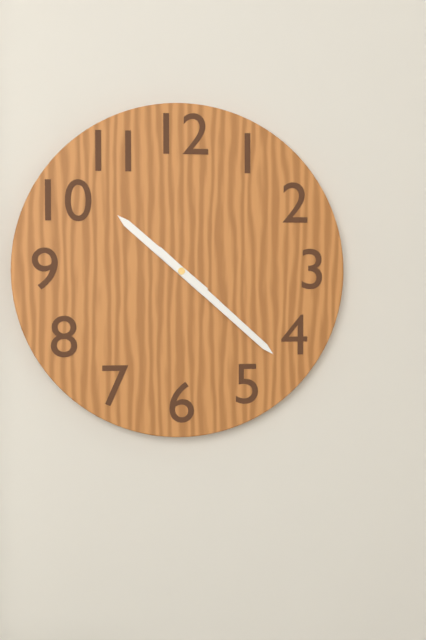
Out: 10:22
